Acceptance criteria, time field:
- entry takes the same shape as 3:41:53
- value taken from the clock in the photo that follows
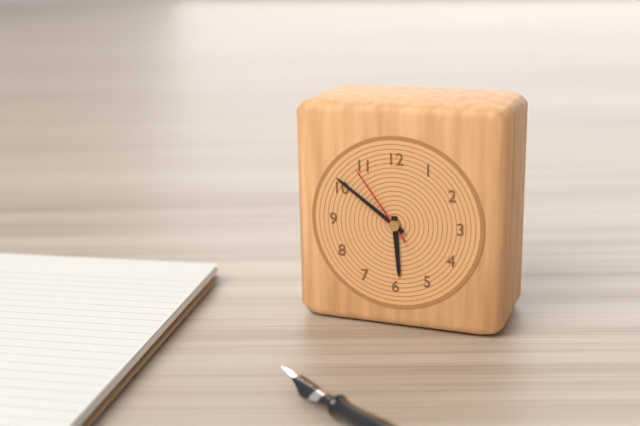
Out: 5:51:54
